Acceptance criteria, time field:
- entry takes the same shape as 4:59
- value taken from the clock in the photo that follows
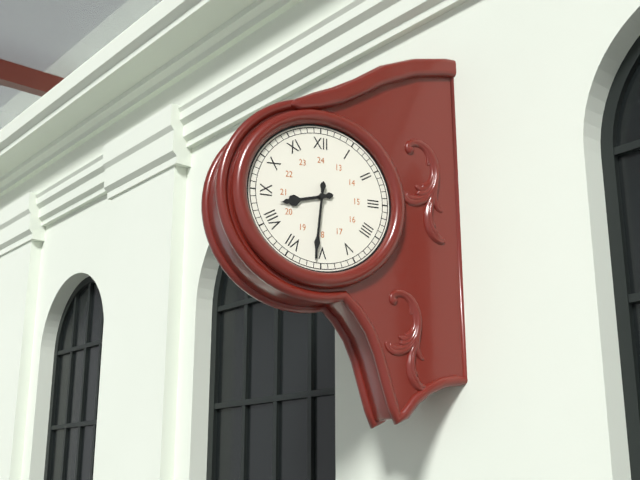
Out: 8:31
